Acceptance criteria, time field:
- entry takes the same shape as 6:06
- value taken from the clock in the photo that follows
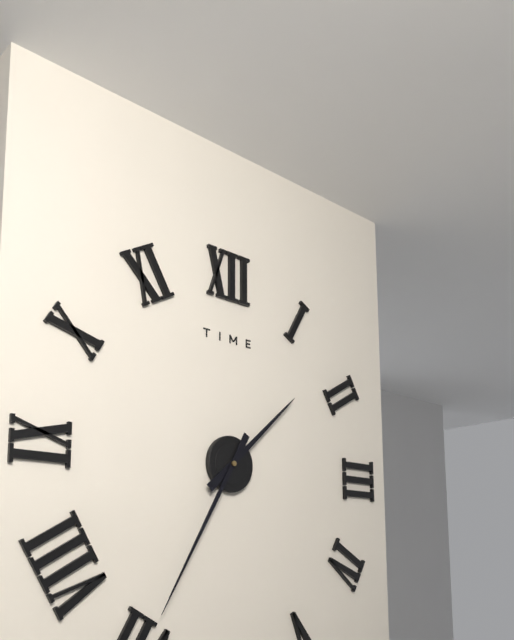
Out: 1:35
